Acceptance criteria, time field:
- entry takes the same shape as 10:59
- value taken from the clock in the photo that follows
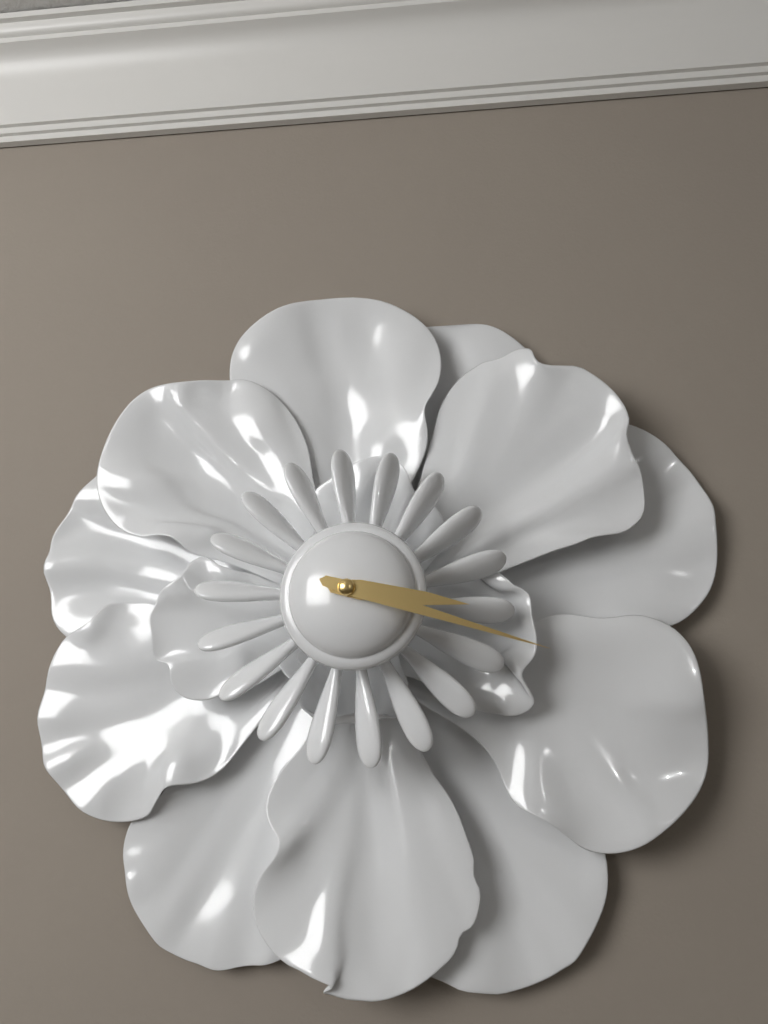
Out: 3:18
